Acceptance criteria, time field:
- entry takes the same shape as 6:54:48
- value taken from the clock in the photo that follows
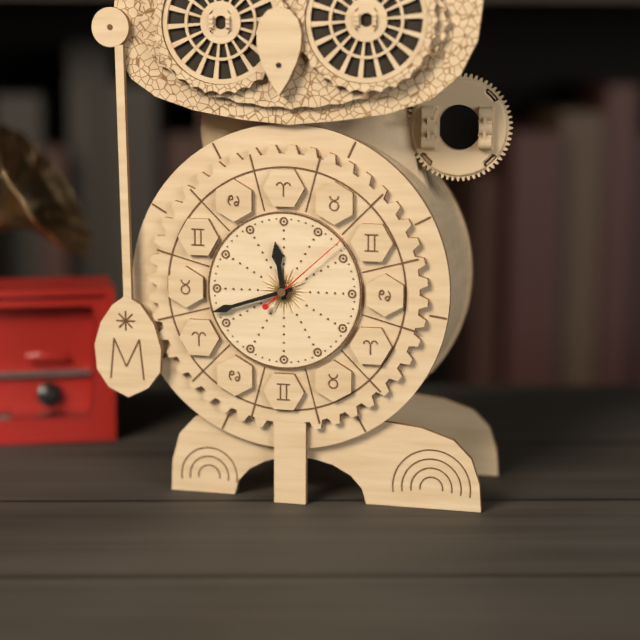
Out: 11:42:08
